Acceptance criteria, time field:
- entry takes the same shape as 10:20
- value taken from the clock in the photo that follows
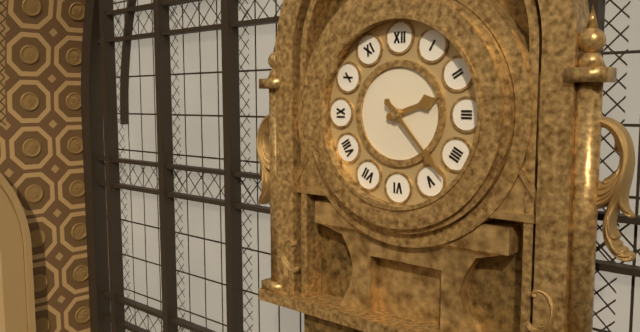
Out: 2:23
